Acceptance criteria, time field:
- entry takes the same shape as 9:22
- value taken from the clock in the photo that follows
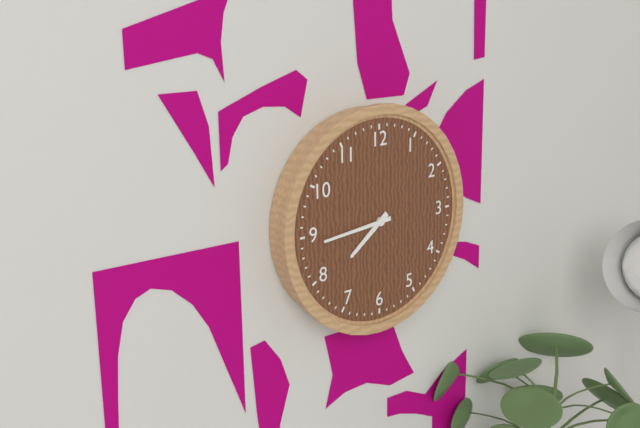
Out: 7:44
